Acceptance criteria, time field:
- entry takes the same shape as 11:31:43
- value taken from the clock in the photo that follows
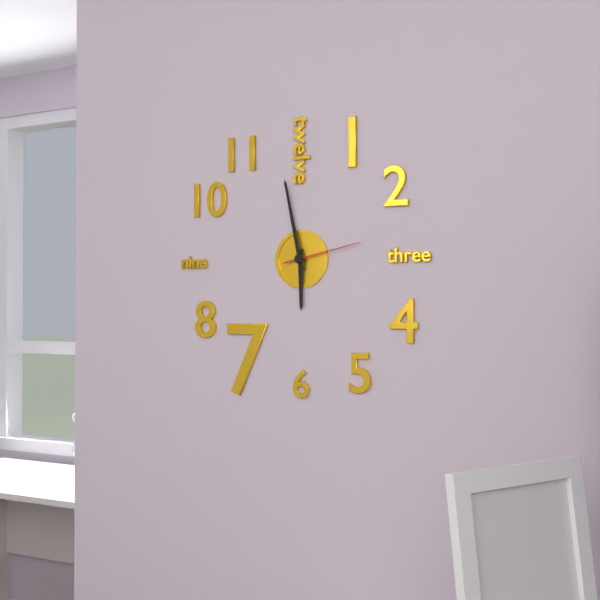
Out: 5:58:13
